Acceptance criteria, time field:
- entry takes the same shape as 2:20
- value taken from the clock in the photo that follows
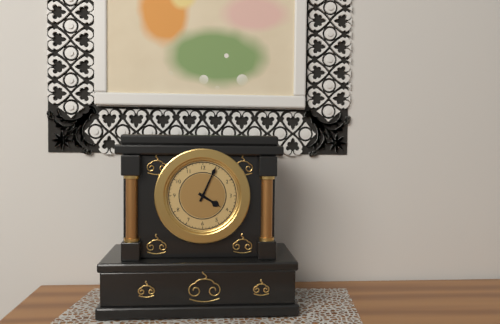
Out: 4:04
